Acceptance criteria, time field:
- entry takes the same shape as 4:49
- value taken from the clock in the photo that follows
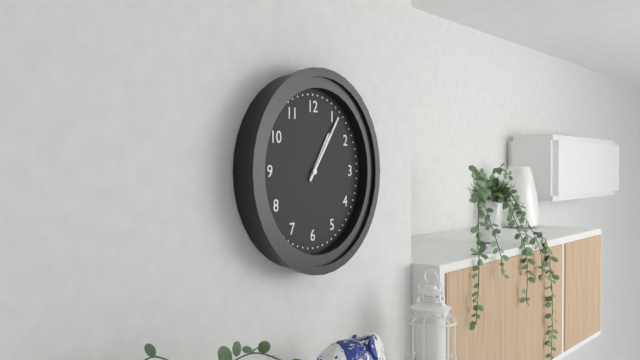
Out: 1:06
